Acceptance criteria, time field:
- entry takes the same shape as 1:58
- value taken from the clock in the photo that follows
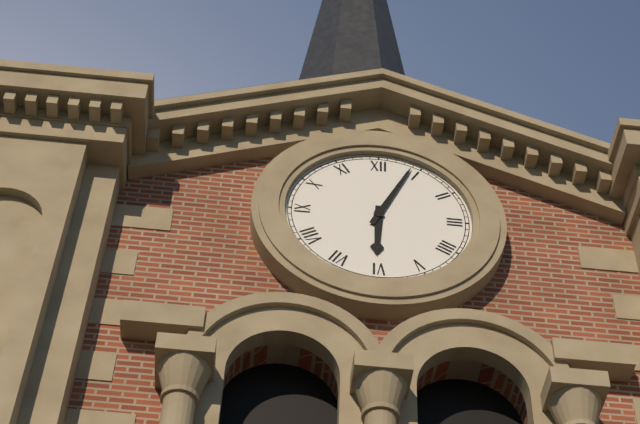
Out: 6:04
